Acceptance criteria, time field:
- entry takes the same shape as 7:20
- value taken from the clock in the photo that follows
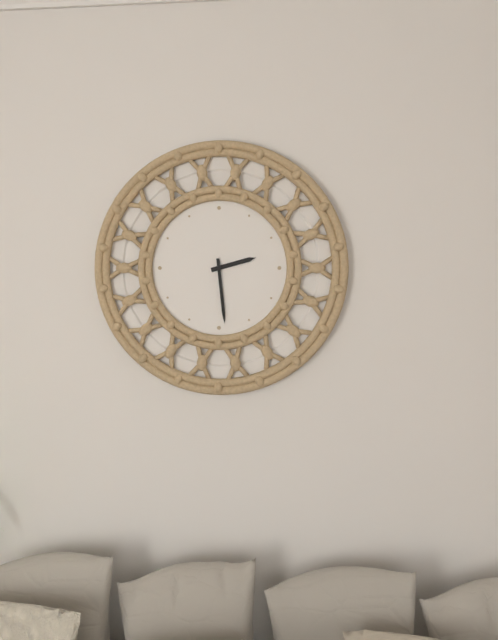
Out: 2:29
